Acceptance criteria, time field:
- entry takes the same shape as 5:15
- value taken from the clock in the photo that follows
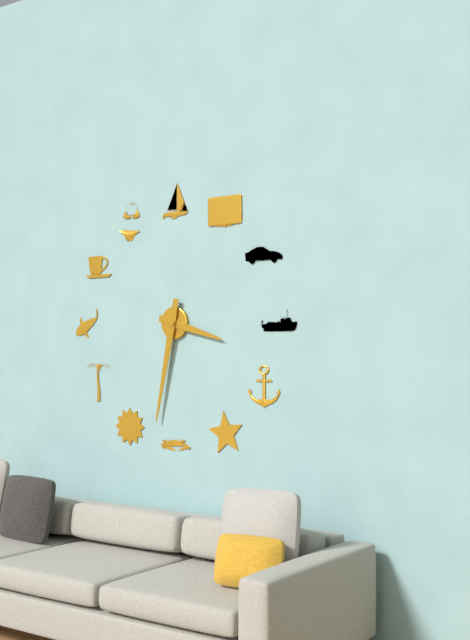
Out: 3:32
